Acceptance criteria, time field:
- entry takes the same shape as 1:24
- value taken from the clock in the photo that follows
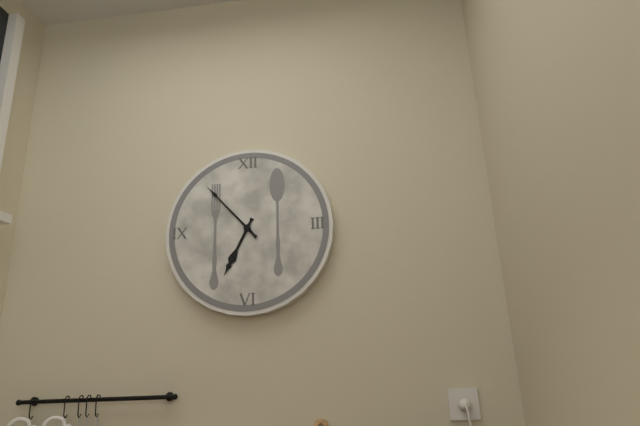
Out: 6:53
